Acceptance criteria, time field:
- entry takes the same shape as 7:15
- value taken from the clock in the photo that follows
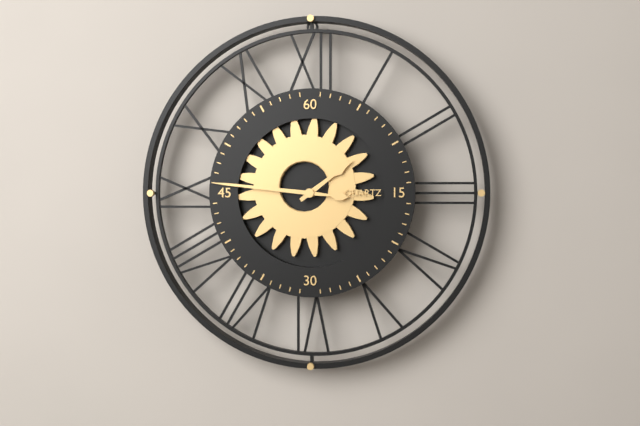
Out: 1:46
